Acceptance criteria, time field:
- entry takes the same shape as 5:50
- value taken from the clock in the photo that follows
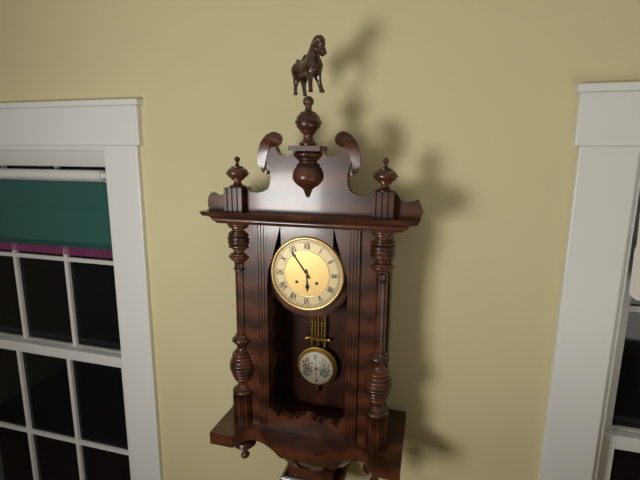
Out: 5:54
